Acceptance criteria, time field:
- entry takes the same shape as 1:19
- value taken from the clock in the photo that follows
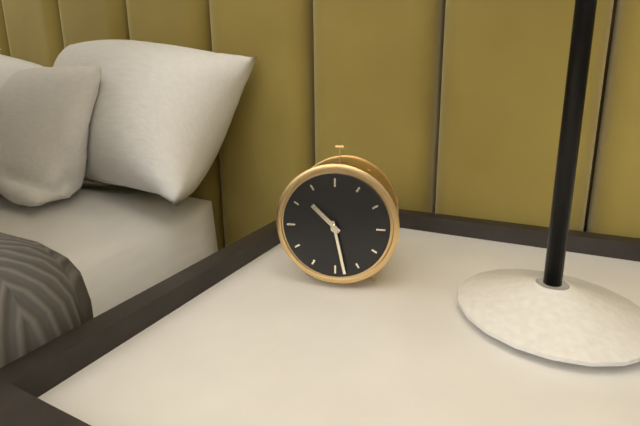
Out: 10:28
